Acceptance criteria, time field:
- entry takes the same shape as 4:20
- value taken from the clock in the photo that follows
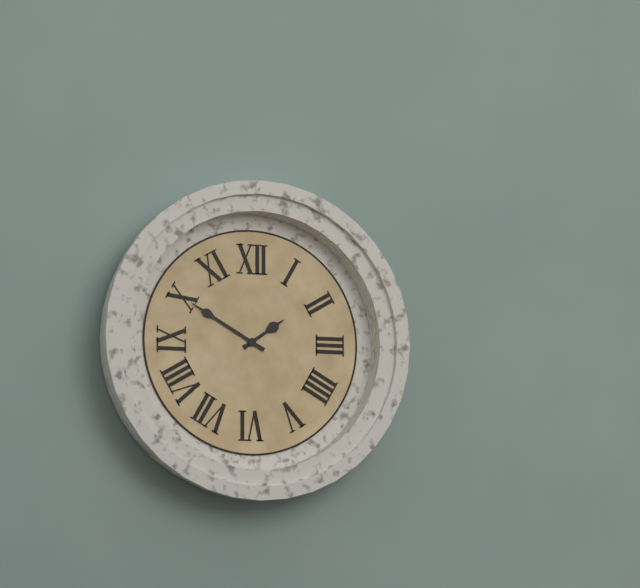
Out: 1:50
